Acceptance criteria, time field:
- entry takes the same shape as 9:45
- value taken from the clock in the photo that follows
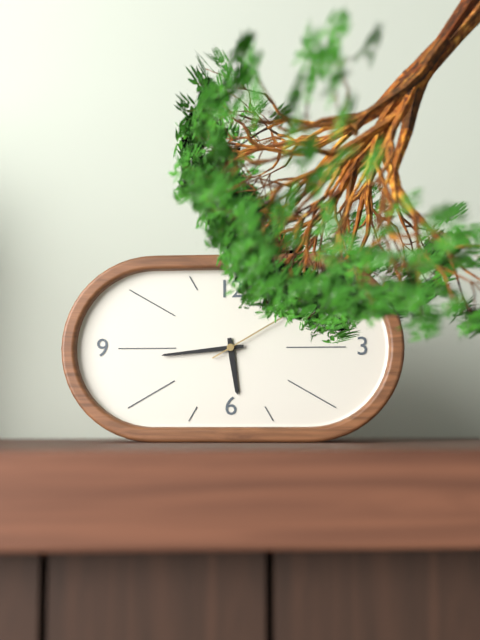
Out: 5:44
